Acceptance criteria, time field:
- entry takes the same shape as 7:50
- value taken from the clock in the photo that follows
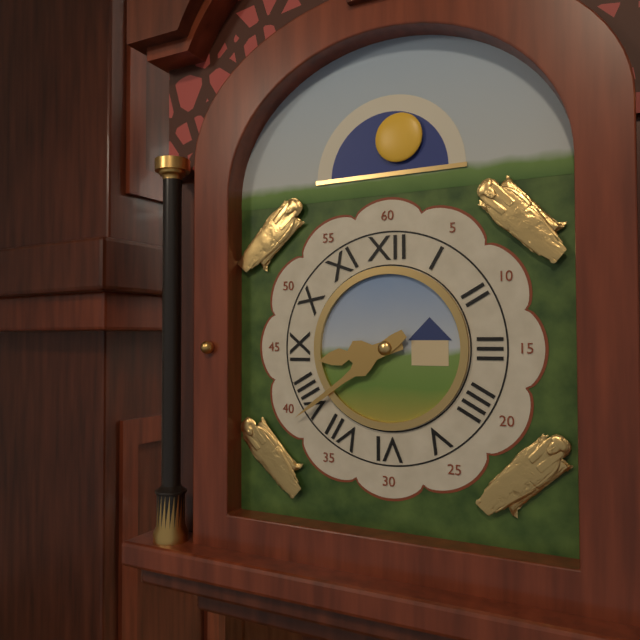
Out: 8:39
